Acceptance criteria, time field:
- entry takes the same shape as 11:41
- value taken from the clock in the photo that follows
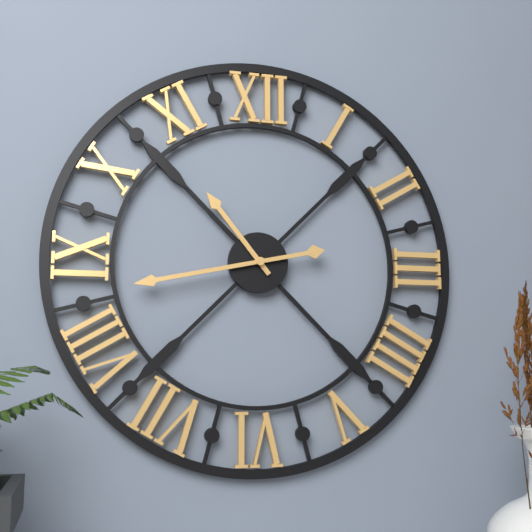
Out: 10:43
